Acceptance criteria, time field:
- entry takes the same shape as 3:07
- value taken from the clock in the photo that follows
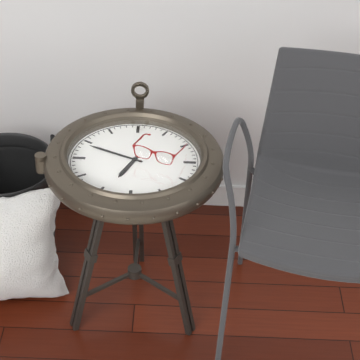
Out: 6:49
